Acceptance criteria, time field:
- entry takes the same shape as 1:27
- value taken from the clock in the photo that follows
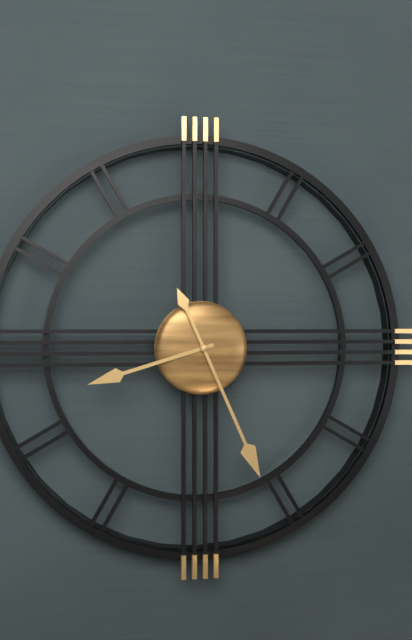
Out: 8:26
